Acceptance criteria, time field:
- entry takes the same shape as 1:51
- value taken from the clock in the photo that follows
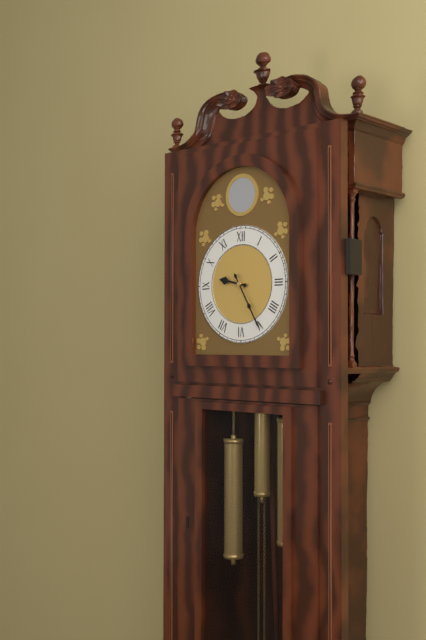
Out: 9:25
